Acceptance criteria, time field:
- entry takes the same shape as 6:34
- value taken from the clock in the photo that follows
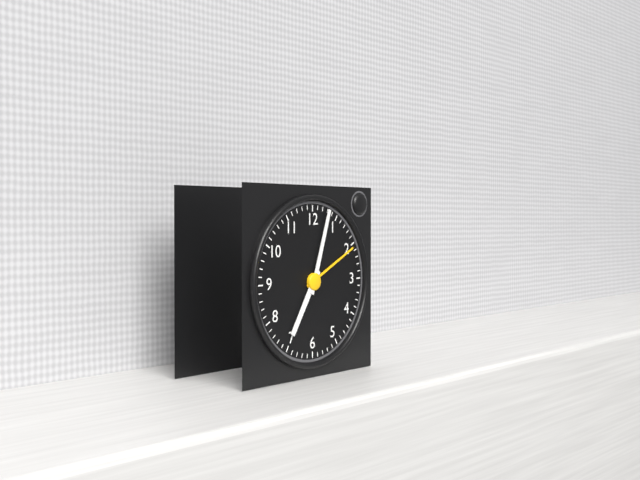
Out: 7:03
